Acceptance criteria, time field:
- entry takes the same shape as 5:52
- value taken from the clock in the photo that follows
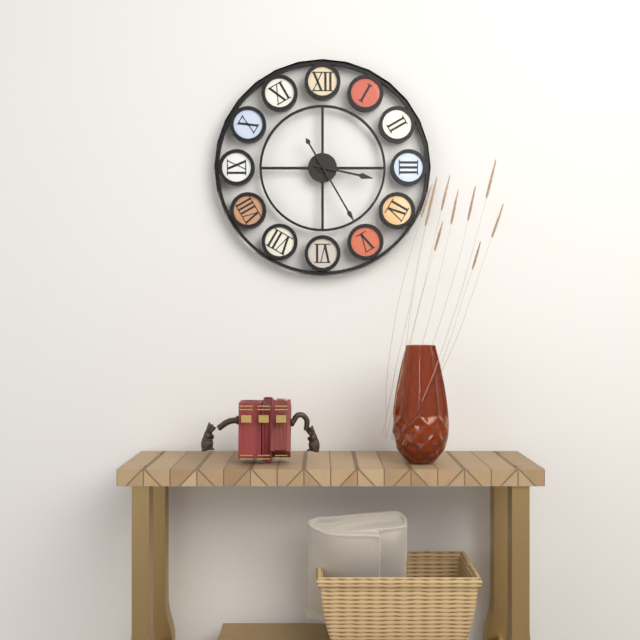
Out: 3:25
